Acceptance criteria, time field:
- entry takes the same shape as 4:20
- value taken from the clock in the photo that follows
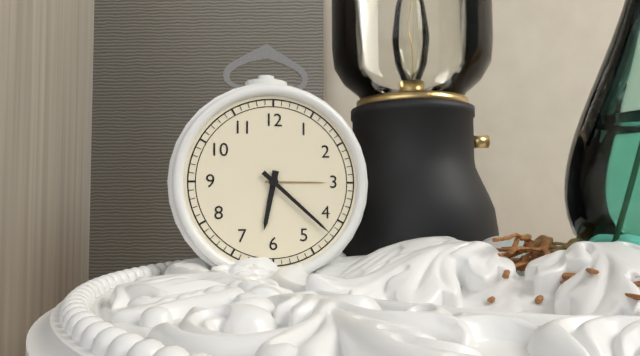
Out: 6:22
